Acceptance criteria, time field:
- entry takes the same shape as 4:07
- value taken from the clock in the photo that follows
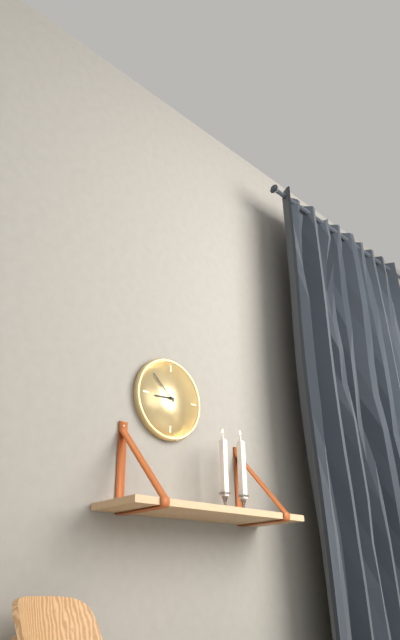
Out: 8:52
